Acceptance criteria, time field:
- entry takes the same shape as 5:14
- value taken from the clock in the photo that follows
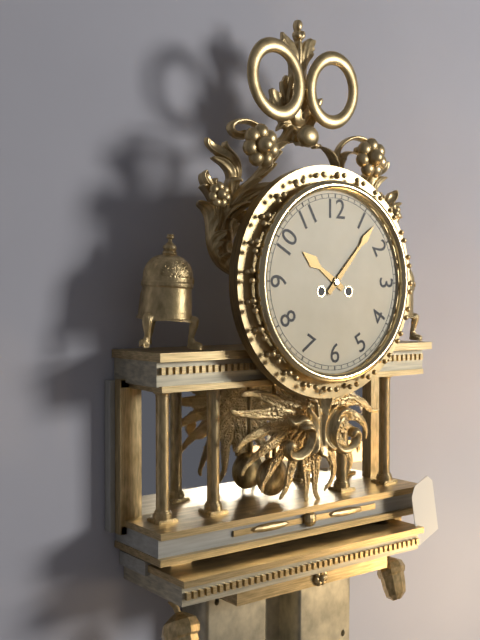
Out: 10:07
